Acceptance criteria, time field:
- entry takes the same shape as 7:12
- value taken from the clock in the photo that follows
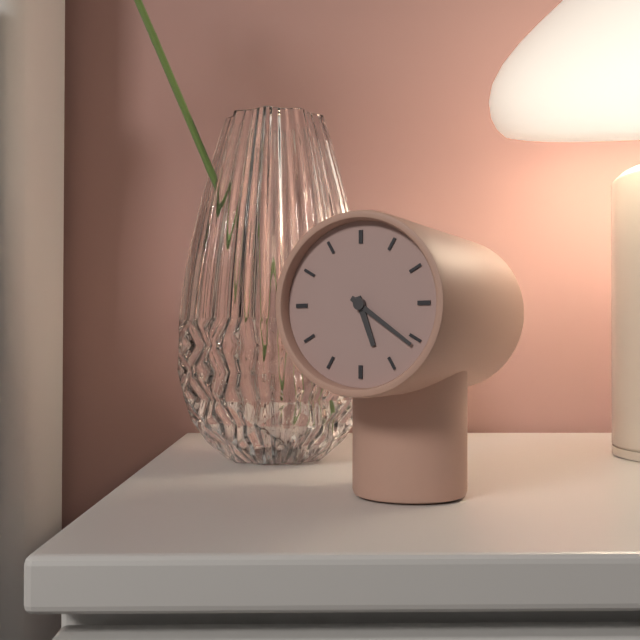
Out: 5:21
